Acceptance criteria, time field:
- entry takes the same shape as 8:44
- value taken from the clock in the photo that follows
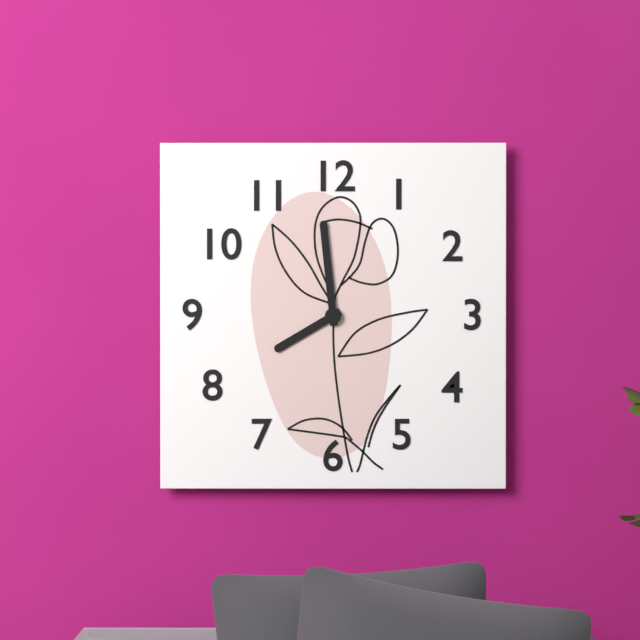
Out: 7:59
